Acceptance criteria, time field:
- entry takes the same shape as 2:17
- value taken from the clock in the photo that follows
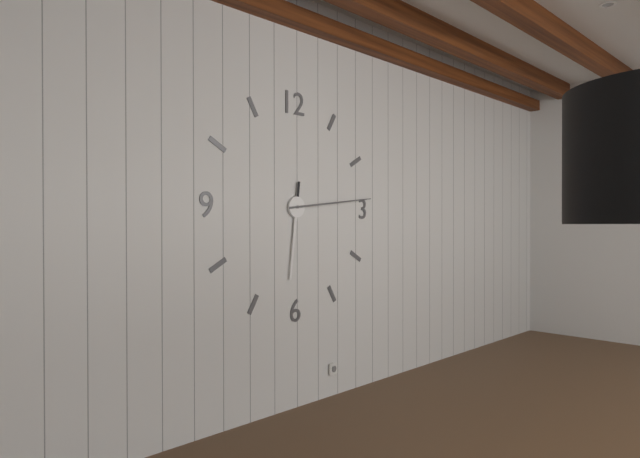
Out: 6:14
